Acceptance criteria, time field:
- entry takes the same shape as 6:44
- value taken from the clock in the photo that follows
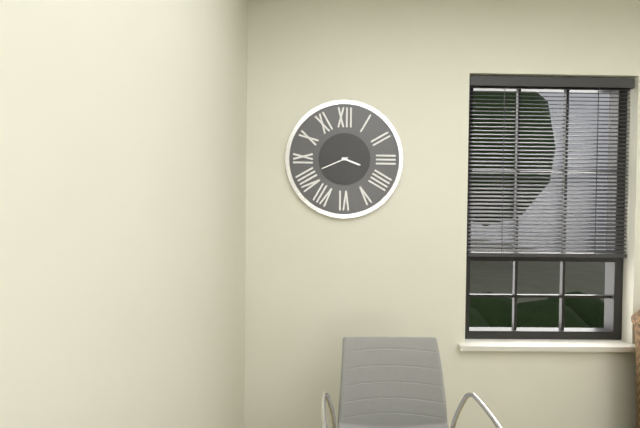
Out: 3:41
